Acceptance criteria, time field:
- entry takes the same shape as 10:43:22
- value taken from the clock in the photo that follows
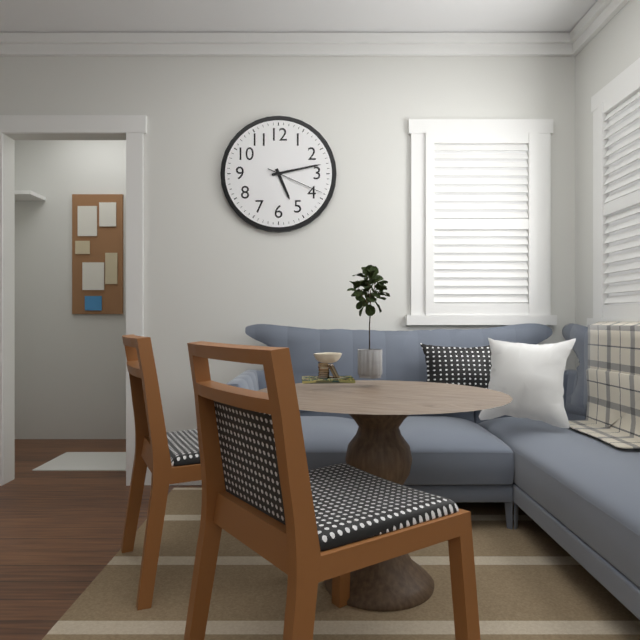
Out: 5:13:19
